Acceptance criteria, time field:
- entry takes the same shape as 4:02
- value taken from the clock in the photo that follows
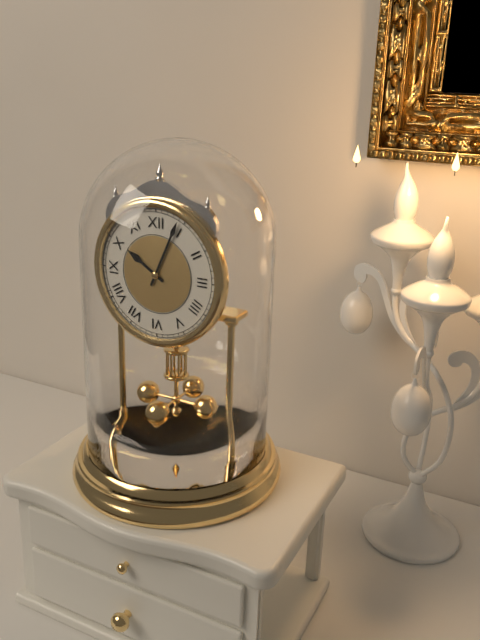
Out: 10:04
